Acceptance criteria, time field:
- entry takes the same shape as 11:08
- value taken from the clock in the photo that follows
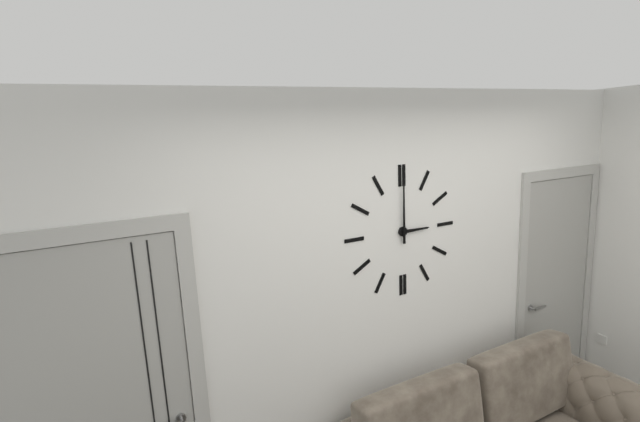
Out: 3:00
